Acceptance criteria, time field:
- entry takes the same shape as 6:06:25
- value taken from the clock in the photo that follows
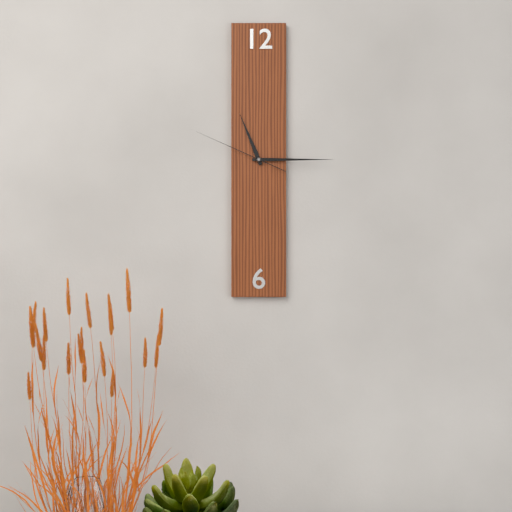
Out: 11:15:49
